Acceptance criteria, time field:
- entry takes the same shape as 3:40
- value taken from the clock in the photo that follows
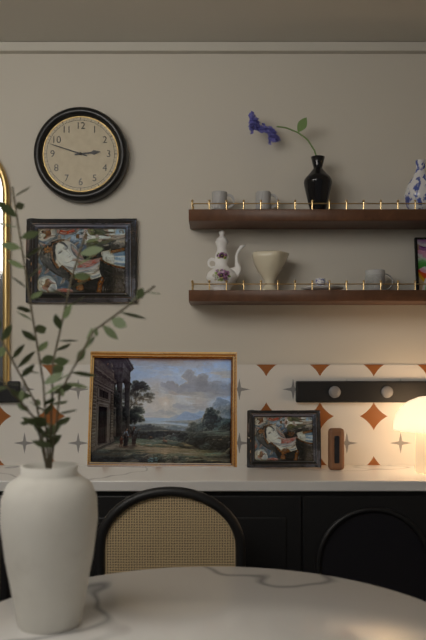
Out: 2:48
